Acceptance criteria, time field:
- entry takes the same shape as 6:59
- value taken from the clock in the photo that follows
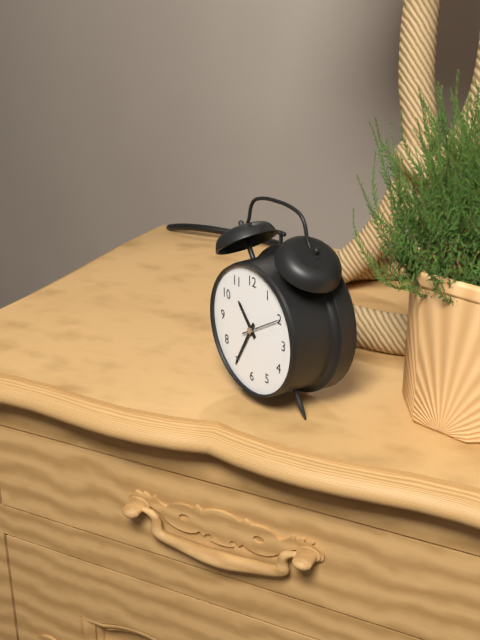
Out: 10:35
